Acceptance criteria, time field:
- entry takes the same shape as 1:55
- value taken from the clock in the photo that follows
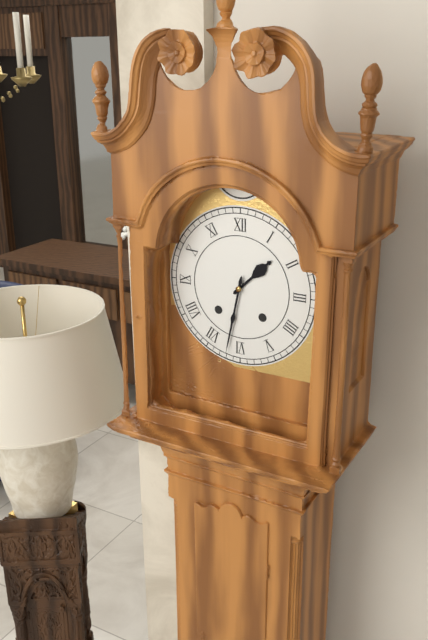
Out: 1:32
